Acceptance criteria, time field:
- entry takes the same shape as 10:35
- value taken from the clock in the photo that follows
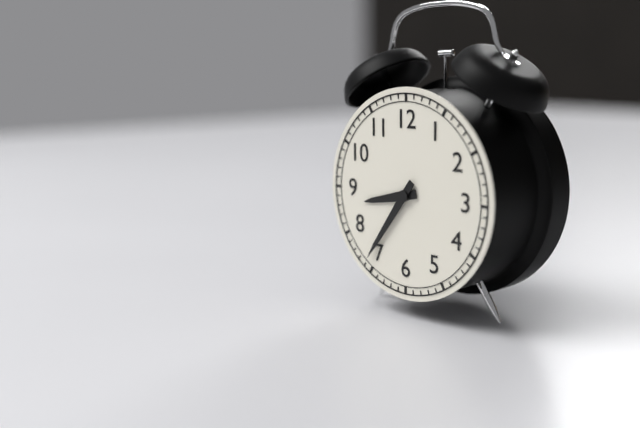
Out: 8:36
